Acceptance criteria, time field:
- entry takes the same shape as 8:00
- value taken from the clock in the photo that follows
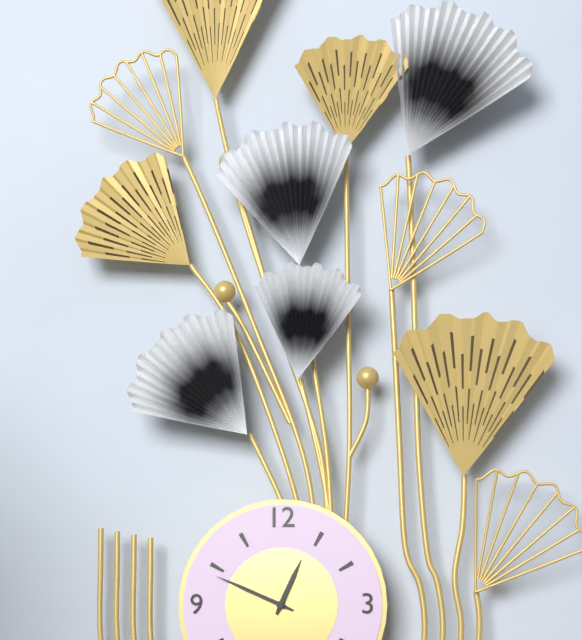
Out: 12:49
